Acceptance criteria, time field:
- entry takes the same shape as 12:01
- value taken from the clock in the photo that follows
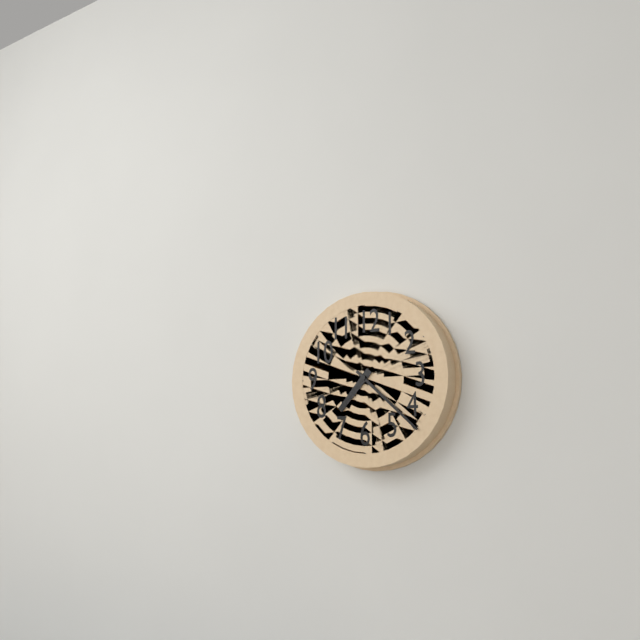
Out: 7:22
